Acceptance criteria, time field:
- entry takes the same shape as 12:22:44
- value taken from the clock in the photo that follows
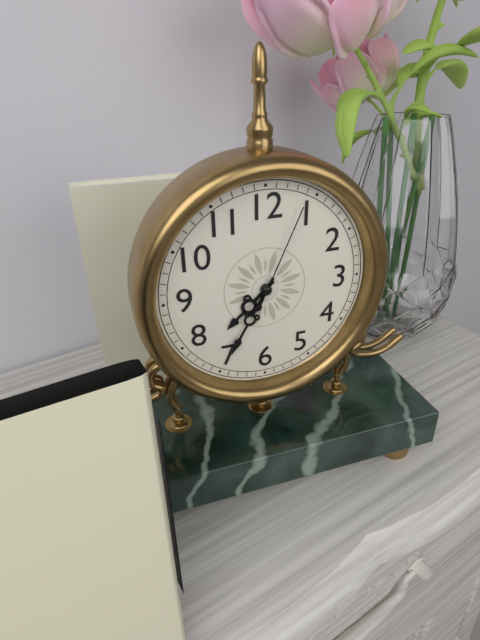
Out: 7:35:04
